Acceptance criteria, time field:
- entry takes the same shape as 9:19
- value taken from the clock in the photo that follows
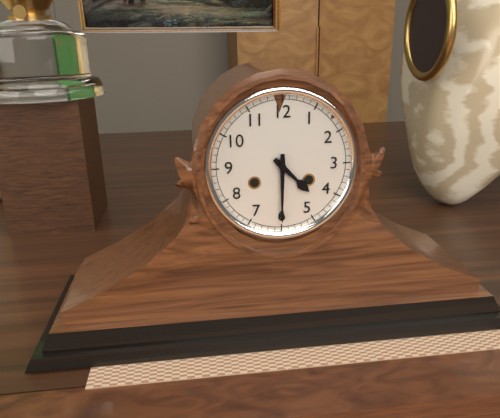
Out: 4:30
